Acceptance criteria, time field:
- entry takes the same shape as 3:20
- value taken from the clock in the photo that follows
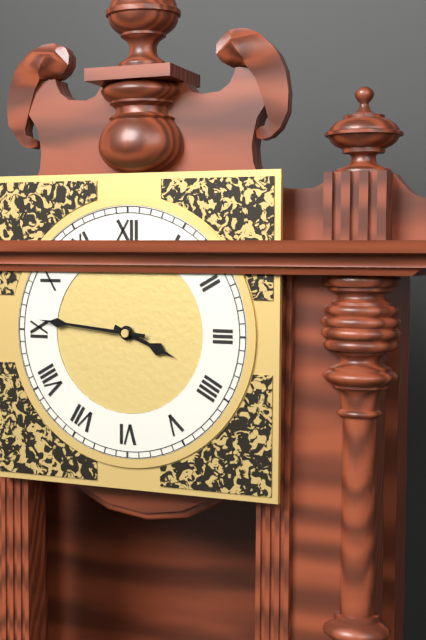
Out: 3:46
